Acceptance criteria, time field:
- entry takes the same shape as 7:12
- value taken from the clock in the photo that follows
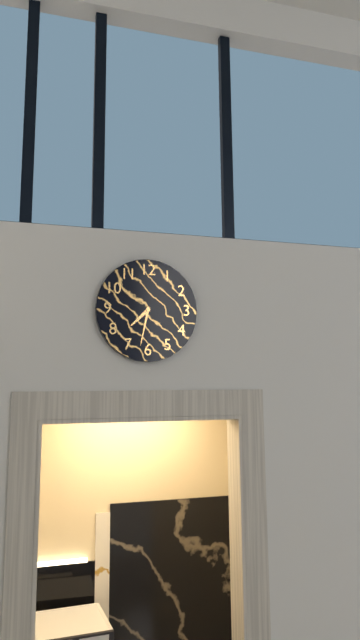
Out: 7:32
